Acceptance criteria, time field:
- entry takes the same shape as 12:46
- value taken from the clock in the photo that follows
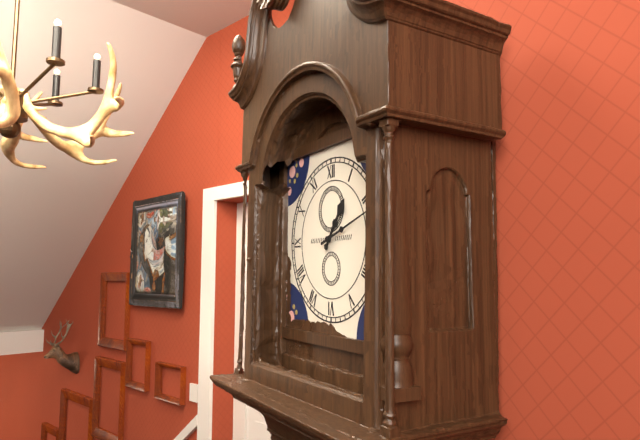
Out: 1:12
